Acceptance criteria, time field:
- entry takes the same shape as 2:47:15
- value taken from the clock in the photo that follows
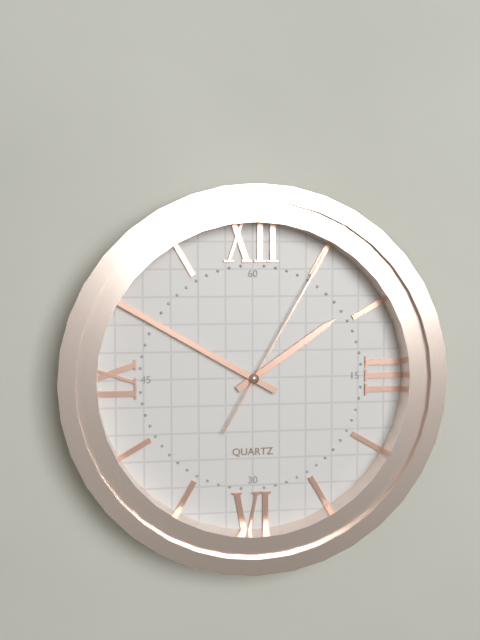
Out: 1:50:05
